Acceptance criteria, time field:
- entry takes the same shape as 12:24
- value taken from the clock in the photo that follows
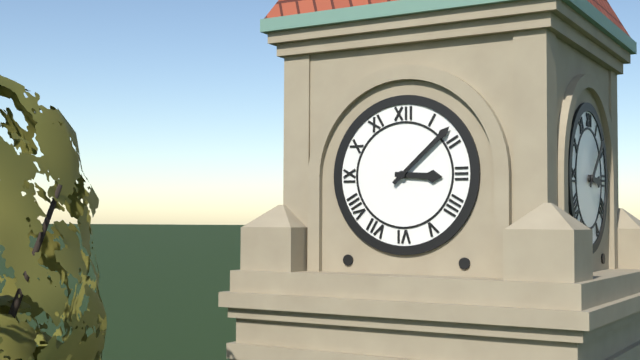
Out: 3:08
